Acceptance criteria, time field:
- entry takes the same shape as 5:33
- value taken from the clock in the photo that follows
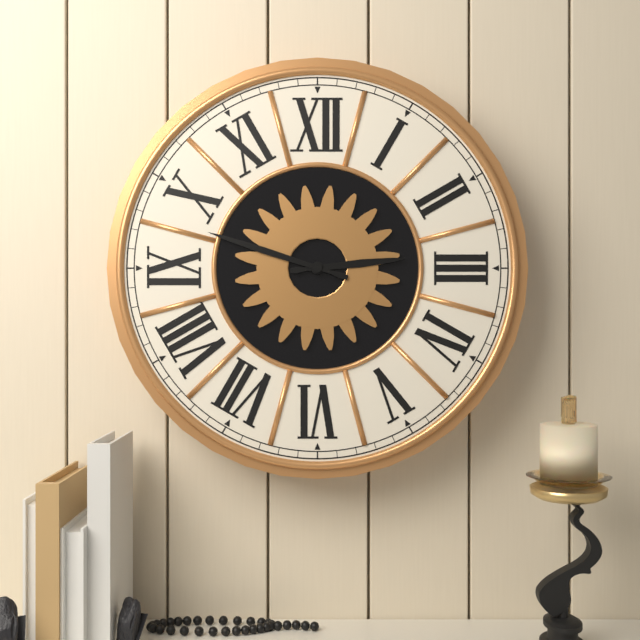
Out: 2:48
